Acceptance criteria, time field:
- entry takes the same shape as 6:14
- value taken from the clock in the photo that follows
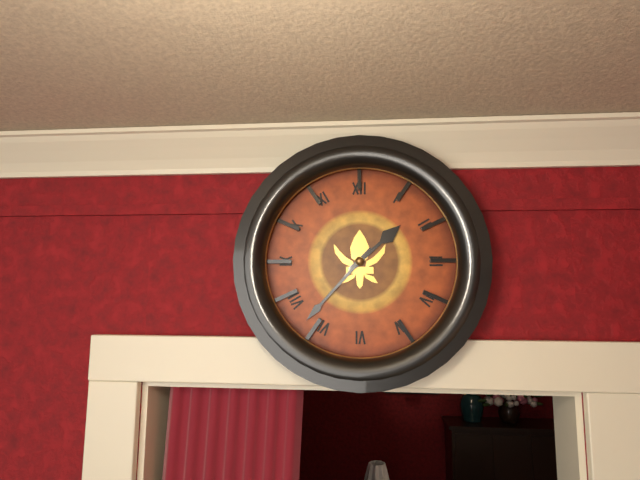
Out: 1:37
